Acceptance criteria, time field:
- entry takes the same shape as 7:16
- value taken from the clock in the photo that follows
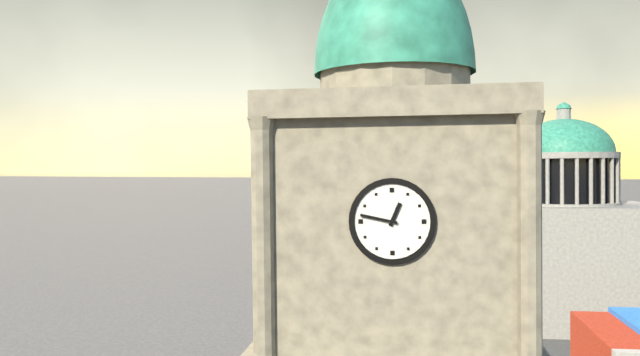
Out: 12:47
